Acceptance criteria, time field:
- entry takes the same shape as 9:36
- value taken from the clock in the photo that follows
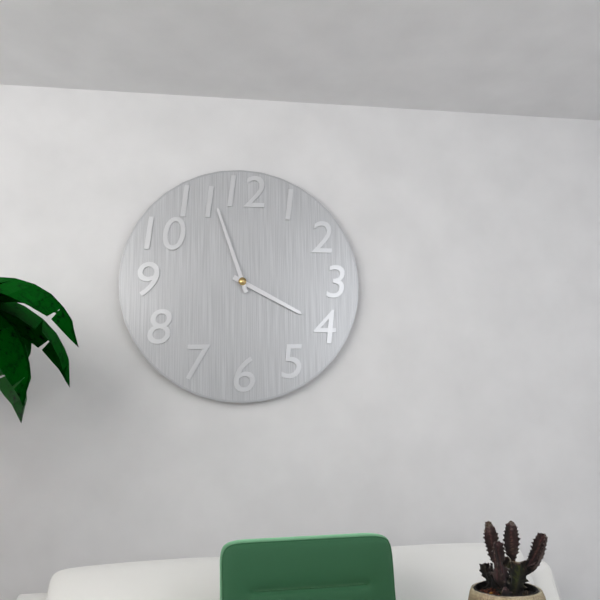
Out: 3:57
